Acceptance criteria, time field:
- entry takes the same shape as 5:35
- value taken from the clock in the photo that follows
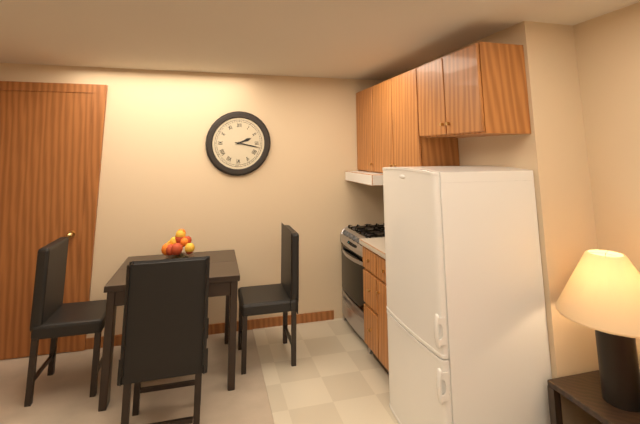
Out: 2:17
